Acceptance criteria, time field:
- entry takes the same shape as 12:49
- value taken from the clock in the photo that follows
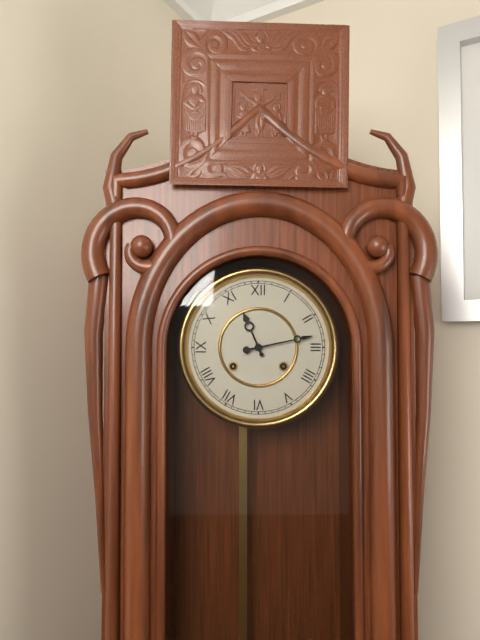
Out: 11:13
